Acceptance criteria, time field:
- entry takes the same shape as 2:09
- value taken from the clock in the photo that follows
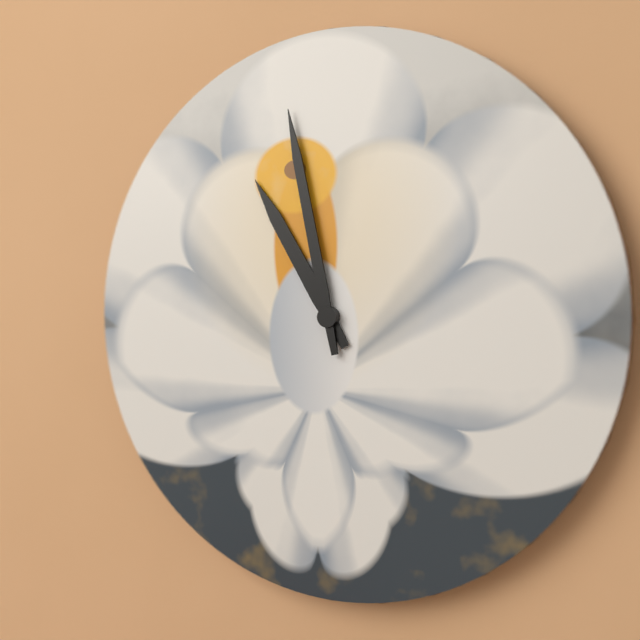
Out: 10:58
